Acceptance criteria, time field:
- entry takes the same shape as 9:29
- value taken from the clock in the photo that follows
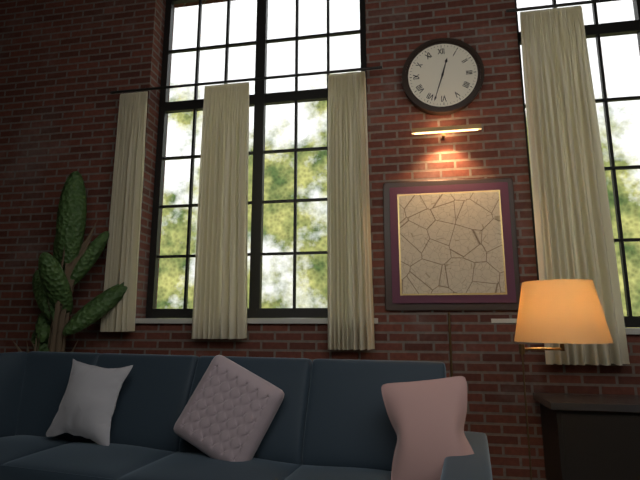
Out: 12:33
